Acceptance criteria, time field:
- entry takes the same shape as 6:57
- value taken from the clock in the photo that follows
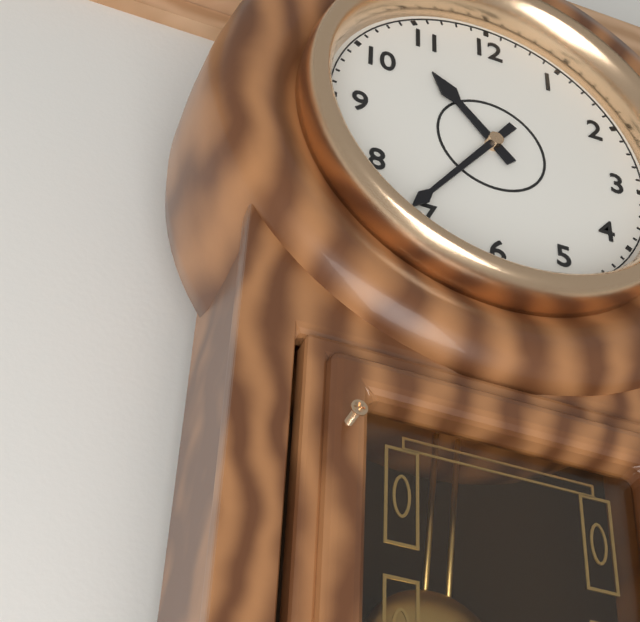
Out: 10:36
